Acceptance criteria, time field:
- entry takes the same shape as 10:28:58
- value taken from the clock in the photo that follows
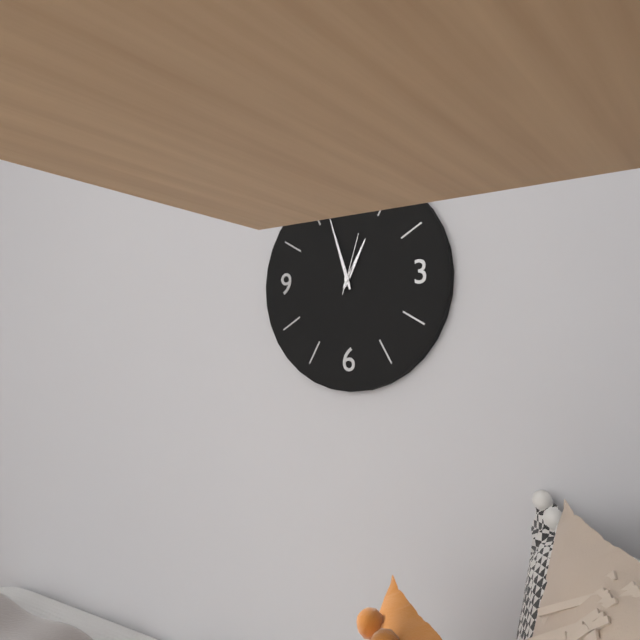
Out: 12:57:03
